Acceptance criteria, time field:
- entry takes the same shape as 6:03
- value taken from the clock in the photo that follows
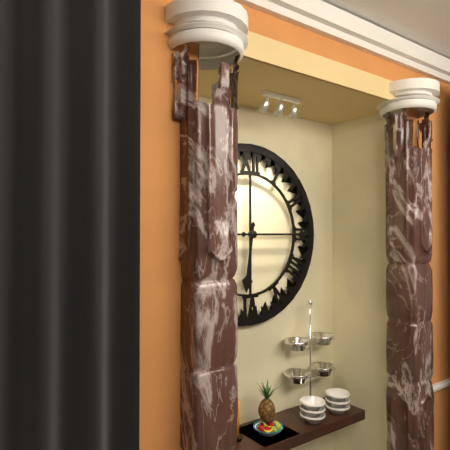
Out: 6:15
